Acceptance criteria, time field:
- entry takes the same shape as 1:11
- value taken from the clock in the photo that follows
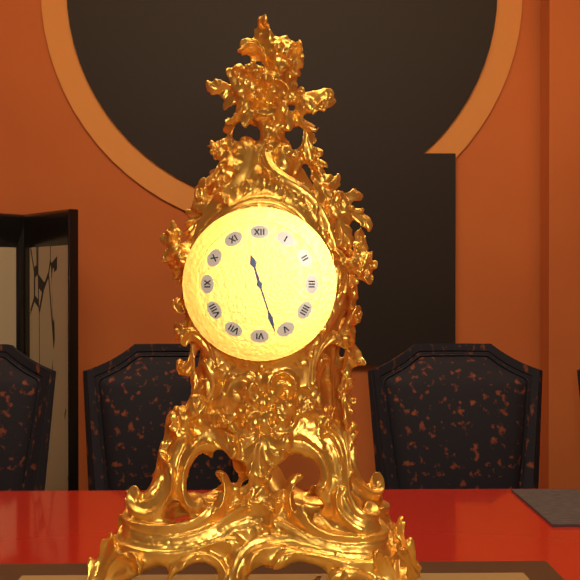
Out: 11:27
